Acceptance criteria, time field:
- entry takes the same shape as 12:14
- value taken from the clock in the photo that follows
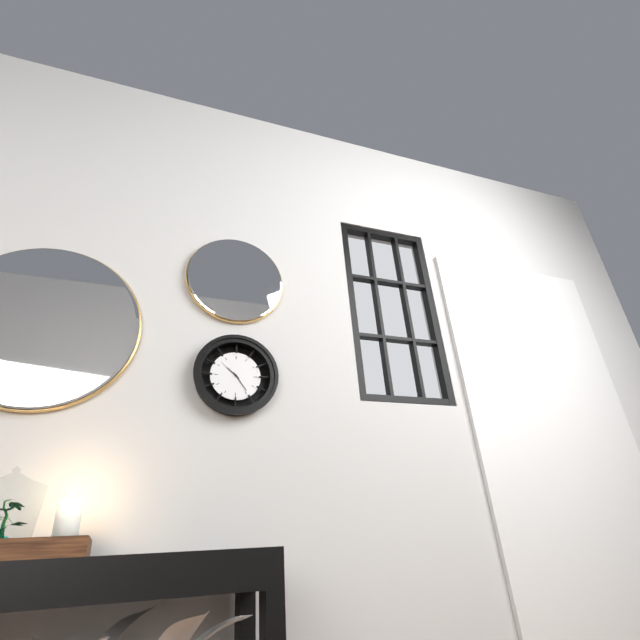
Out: 10:24
